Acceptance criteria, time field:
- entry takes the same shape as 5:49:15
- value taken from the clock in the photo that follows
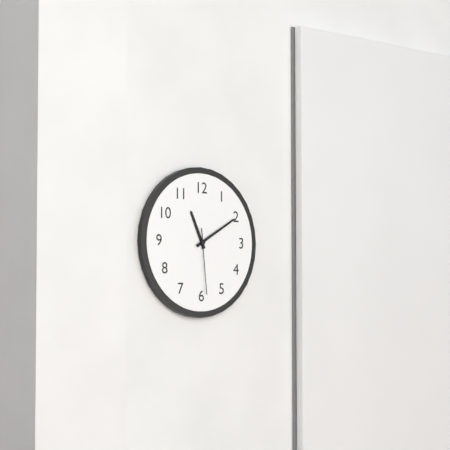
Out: 11:10:29
